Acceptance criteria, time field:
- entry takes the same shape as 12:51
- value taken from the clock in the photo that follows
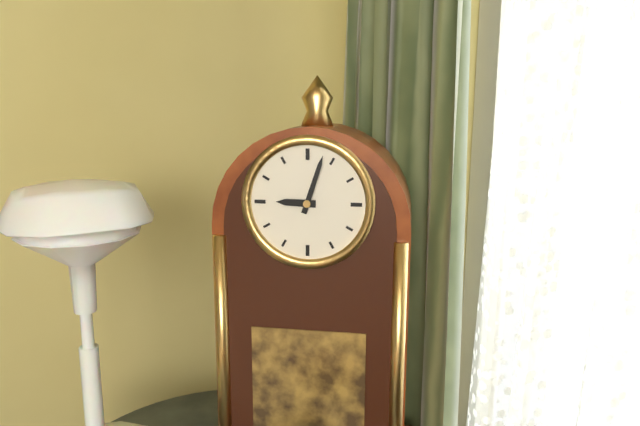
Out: 9:03
